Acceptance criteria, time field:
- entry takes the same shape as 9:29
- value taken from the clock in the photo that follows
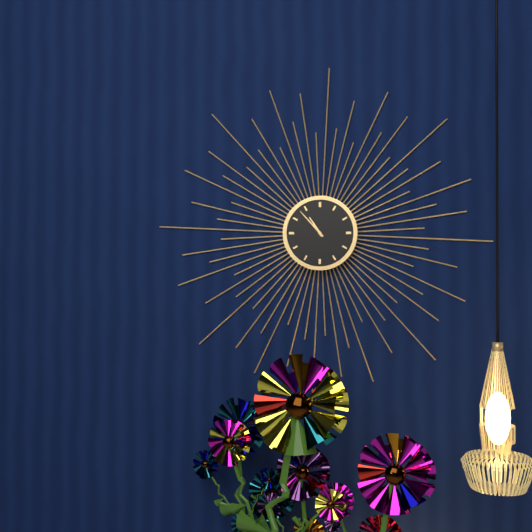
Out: 10:53
